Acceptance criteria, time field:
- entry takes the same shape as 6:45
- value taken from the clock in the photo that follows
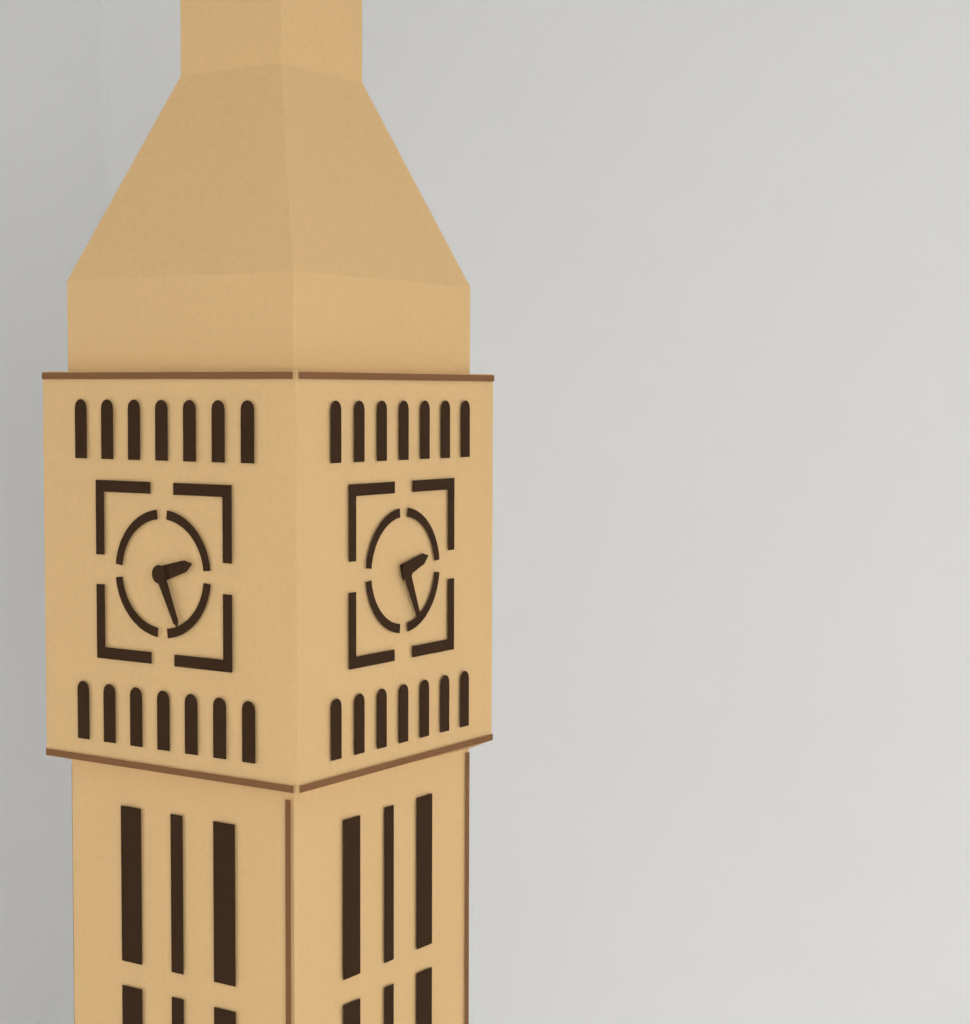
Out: 2:26
